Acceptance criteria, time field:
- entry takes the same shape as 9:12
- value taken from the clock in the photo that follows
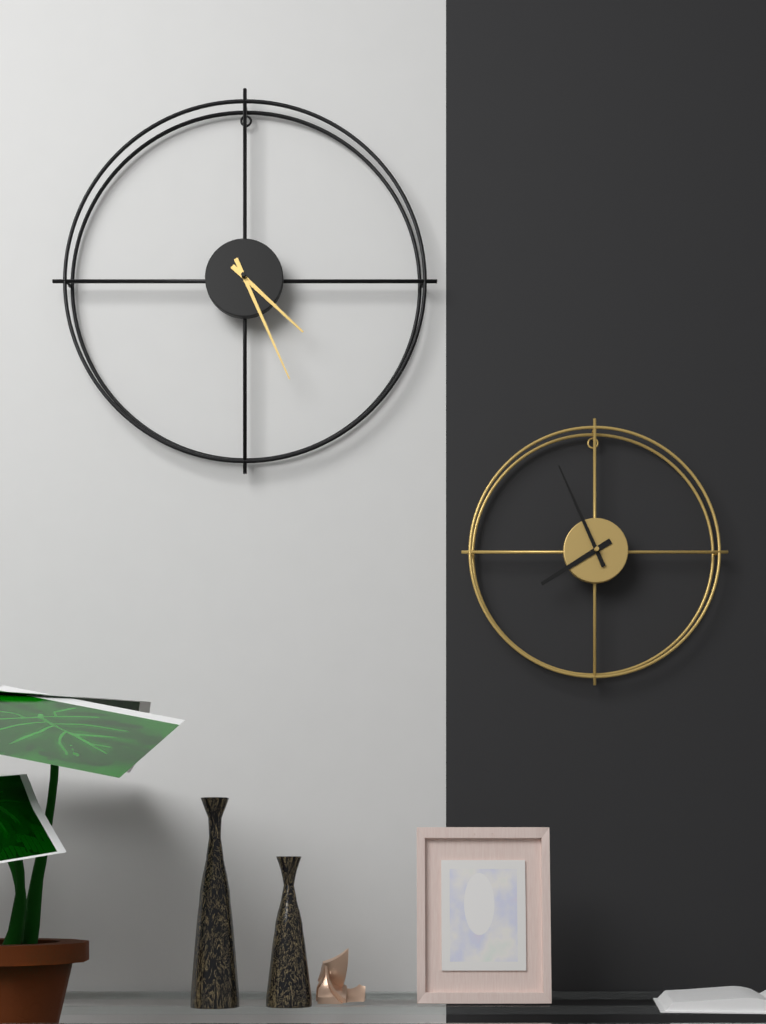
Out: 4:26
